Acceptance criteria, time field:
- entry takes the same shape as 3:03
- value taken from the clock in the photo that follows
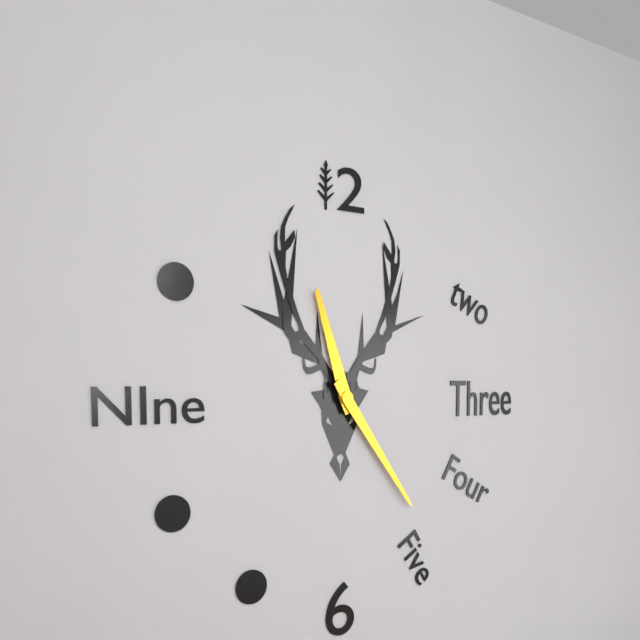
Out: 11:24
